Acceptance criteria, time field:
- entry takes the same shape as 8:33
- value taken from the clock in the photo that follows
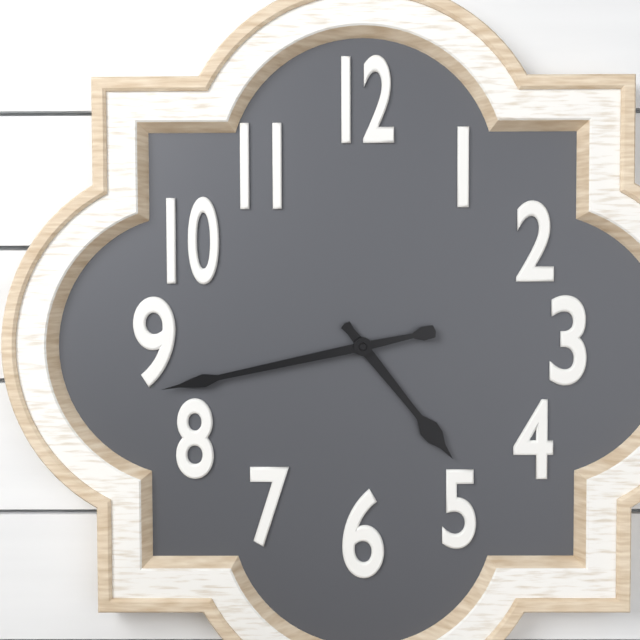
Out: 4:43
